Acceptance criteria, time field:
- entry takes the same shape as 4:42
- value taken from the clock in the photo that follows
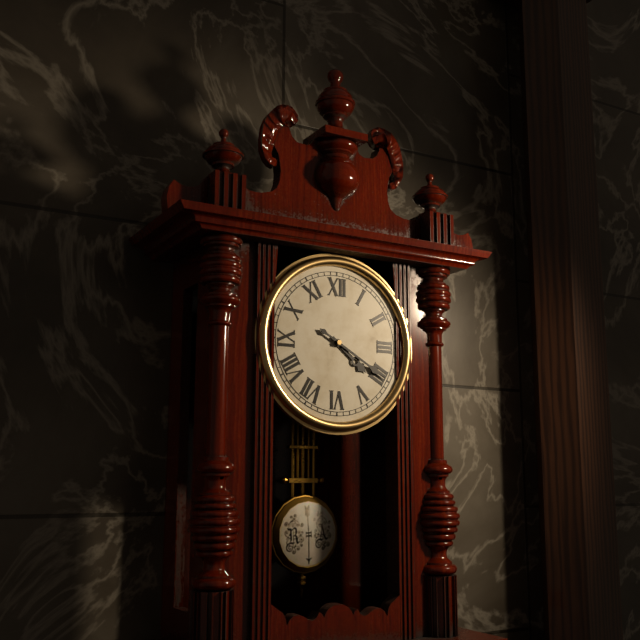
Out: 4:20
